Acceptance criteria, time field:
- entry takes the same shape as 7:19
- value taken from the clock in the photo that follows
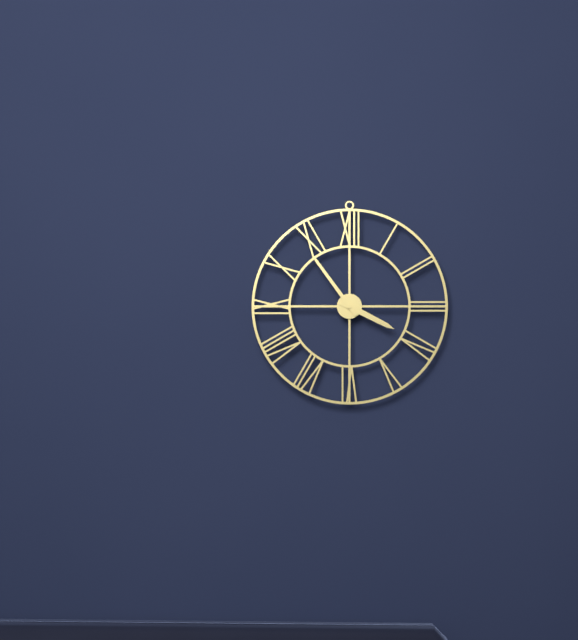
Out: 3:54
